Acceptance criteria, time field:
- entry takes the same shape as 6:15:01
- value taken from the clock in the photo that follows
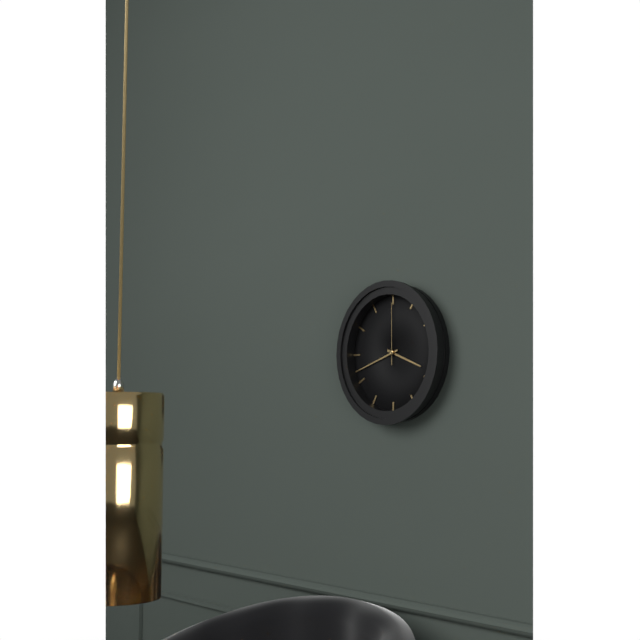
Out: 3:42:00
